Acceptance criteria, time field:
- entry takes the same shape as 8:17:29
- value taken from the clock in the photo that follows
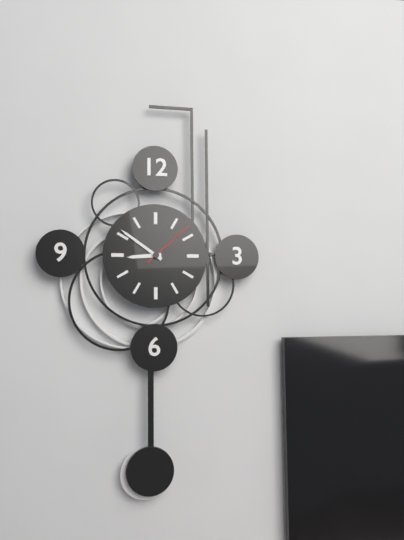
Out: 8:51:08
